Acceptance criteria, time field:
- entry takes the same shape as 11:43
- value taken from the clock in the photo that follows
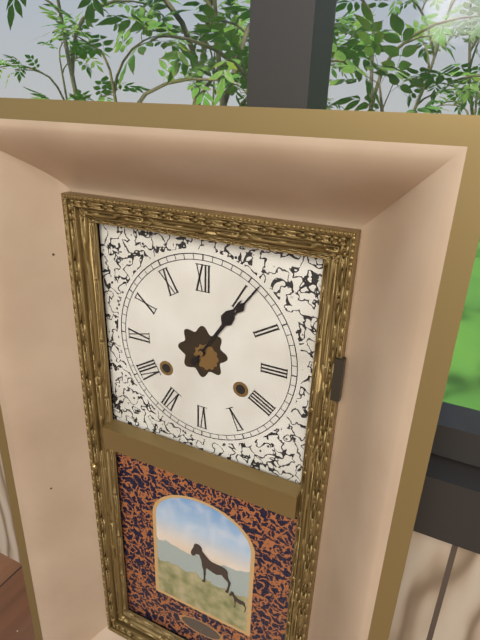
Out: 1:06
